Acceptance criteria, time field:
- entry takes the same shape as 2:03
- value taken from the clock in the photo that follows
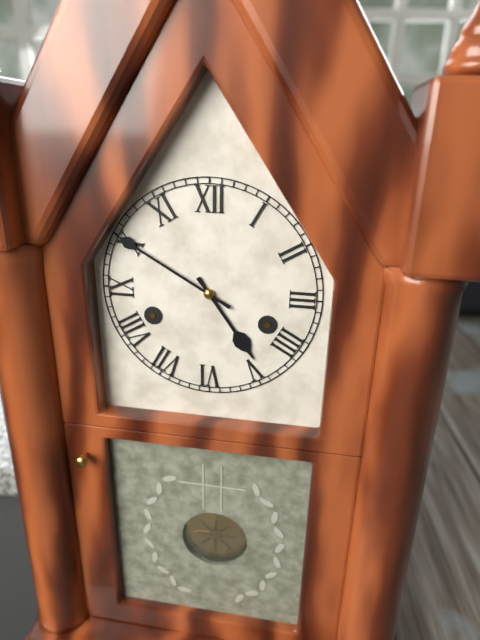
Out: 4:50
